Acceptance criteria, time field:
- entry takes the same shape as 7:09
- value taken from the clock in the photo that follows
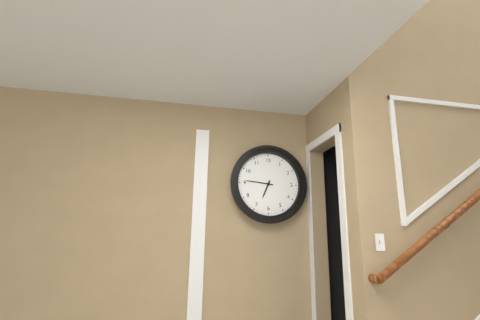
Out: 6:46
